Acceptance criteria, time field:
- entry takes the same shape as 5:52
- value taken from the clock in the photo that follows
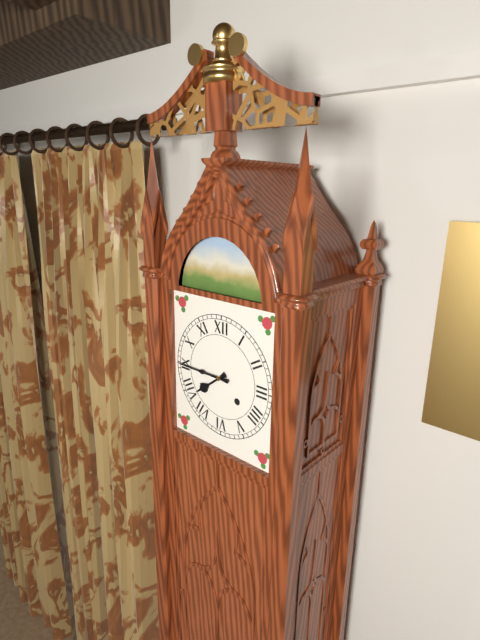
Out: 7:45
